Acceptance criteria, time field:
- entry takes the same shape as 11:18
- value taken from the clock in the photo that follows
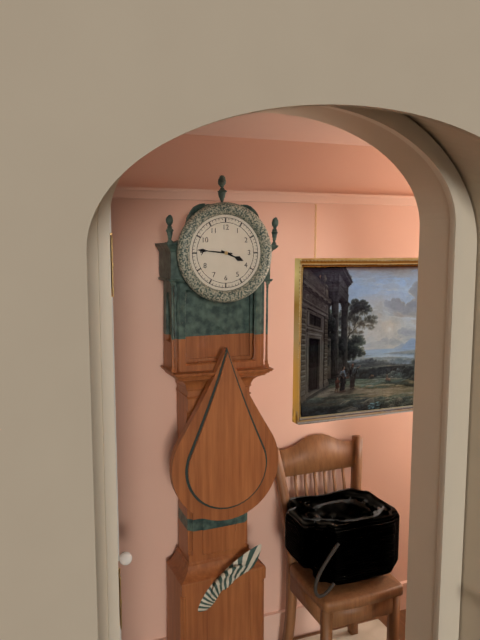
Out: 3:46
